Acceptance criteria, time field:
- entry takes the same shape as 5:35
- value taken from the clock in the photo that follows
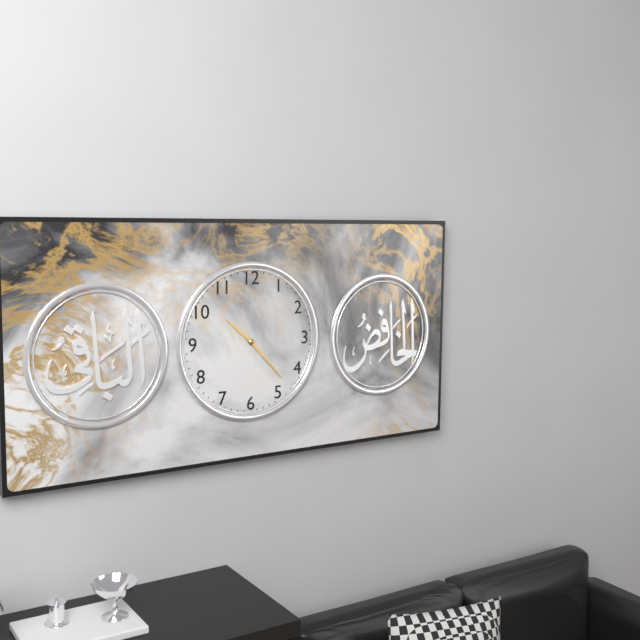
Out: 10:23
